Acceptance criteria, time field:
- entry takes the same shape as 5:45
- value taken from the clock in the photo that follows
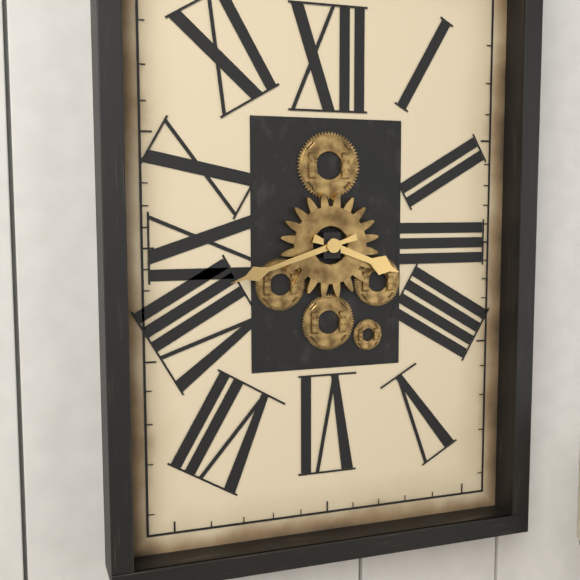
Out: 3:42
